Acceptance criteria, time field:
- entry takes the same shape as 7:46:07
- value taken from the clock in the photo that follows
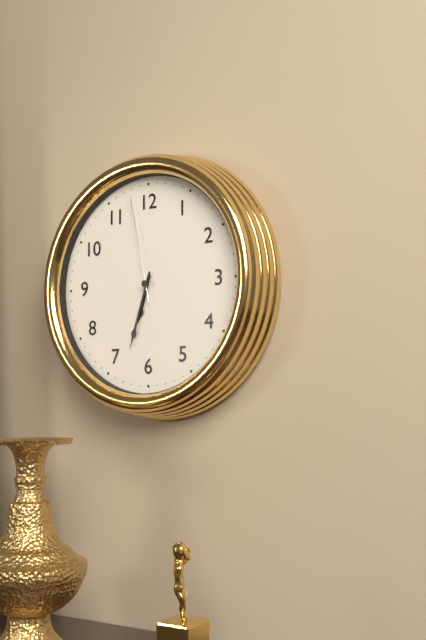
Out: 6:33:58
